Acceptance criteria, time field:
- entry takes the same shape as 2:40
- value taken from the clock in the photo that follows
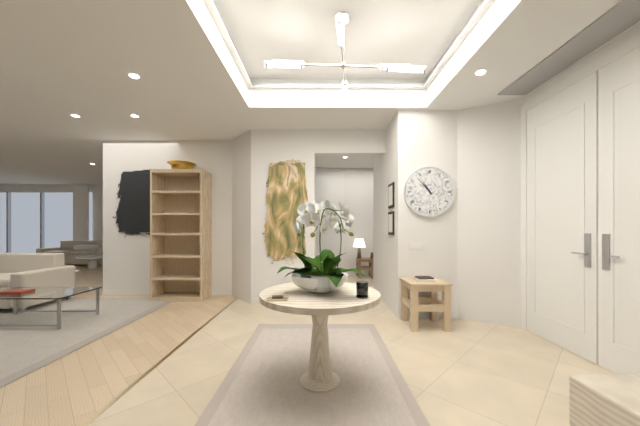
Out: 10:53
